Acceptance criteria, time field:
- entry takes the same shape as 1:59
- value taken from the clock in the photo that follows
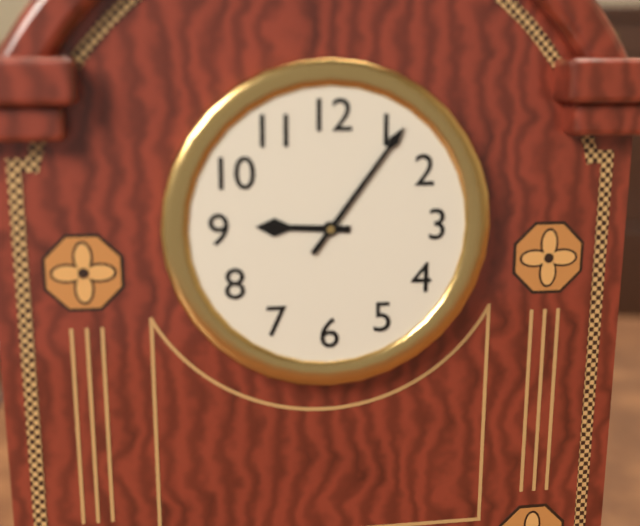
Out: 9:06
